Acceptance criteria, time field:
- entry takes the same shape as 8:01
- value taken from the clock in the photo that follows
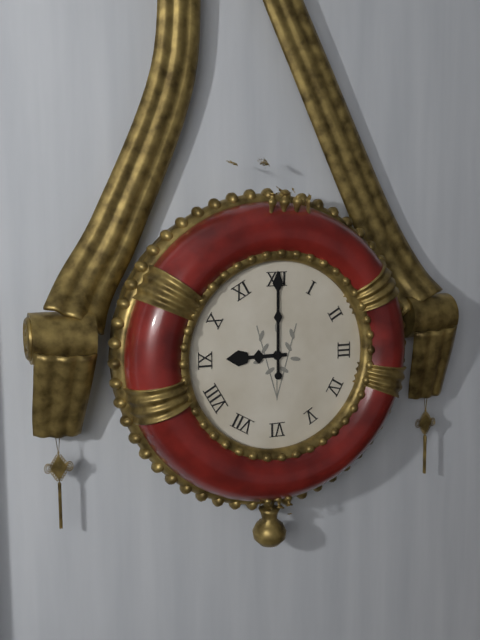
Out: 9:00
